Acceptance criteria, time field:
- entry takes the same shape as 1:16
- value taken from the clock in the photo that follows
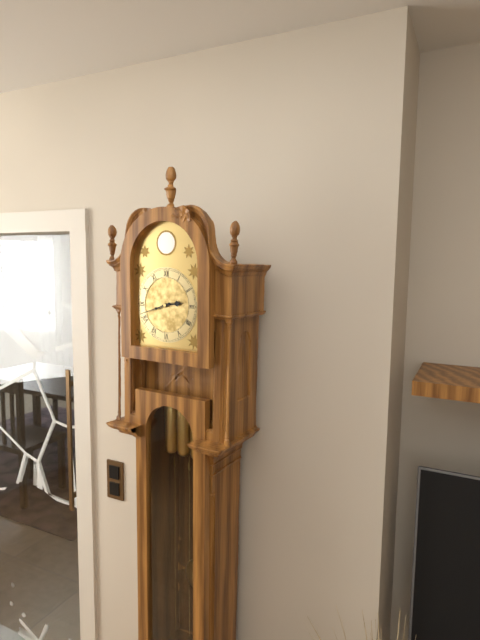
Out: 2:42
